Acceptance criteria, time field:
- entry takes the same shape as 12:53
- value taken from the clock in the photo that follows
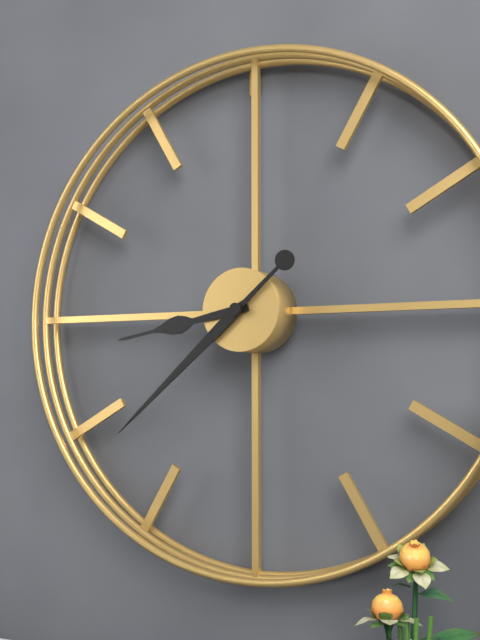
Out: 8:38
